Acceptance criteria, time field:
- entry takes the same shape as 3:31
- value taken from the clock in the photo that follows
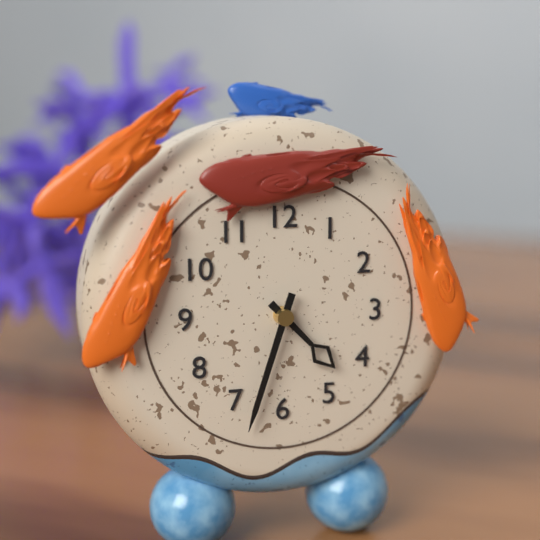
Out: 4:33
